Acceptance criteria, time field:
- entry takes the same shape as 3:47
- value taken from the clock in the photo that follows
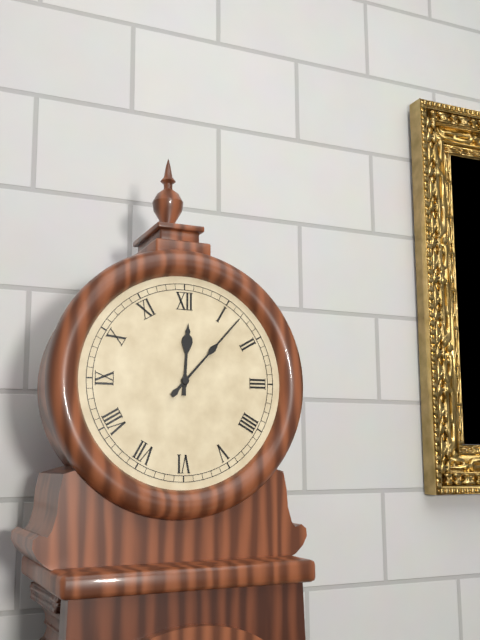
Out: 12:07
